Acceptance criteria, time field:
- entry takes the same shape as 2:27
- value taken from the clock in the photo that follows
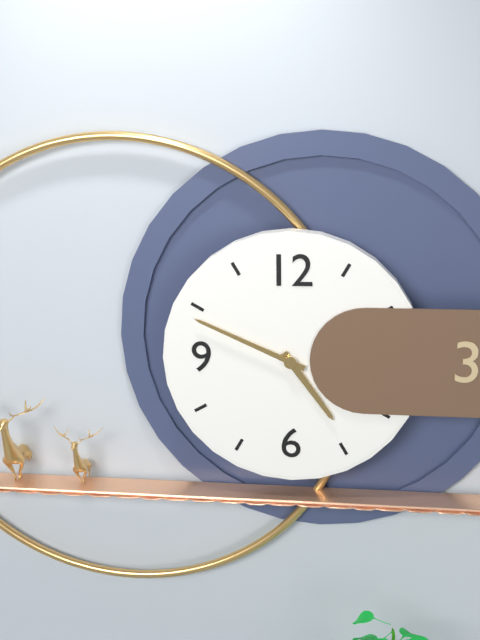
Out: 4:49
